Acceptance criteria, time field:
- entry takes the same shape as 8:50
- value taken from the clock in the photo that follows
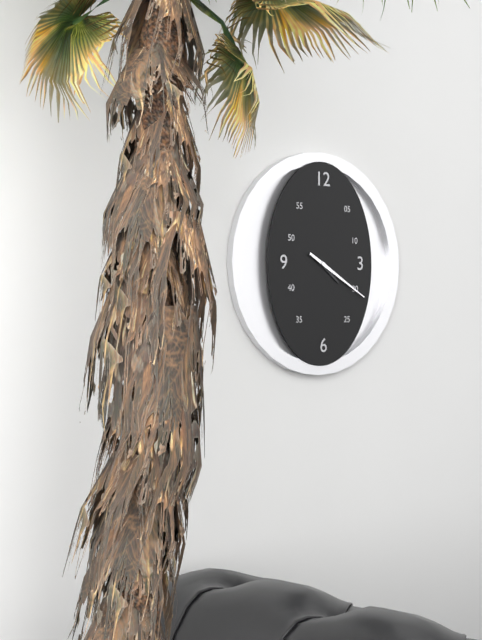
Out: 4:20
